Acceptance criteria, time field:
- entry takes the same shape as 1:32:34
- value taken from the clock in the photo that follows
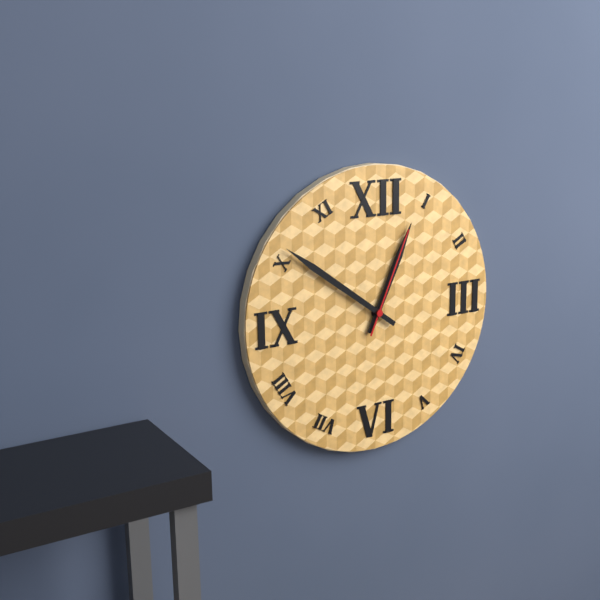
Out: 12:51:04
